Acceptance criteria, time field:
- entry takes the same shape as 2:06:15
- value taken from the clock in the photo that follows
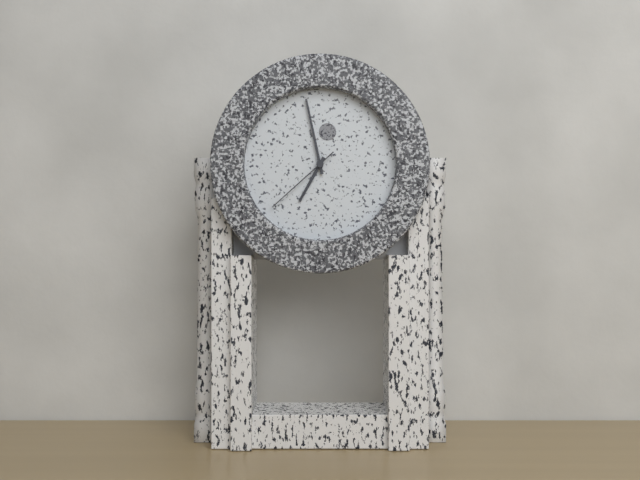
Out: 6:58:38
